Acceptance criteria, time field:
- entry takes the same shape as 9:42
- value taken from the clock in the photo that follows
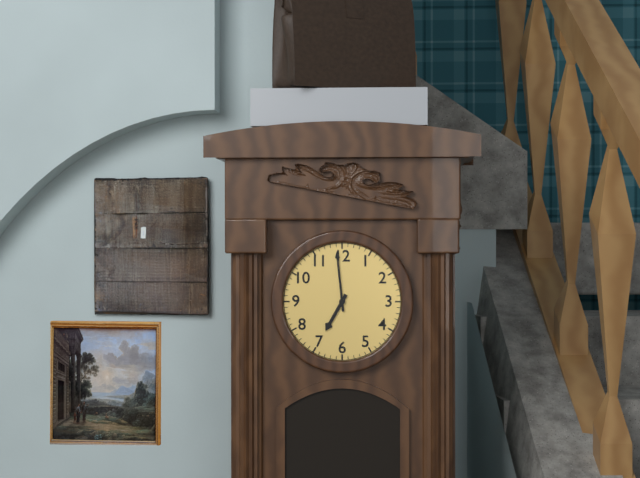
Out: 6:59
